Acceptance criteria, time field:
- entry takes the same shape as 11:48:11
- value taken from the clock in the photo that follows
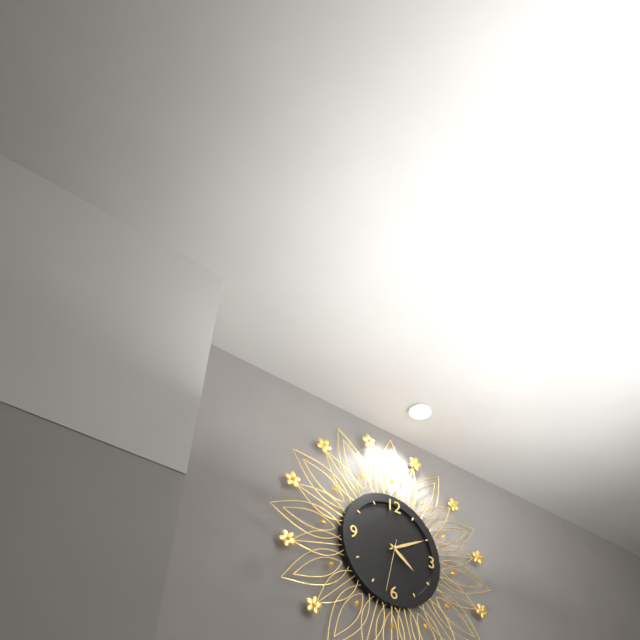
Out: 4:10:32
